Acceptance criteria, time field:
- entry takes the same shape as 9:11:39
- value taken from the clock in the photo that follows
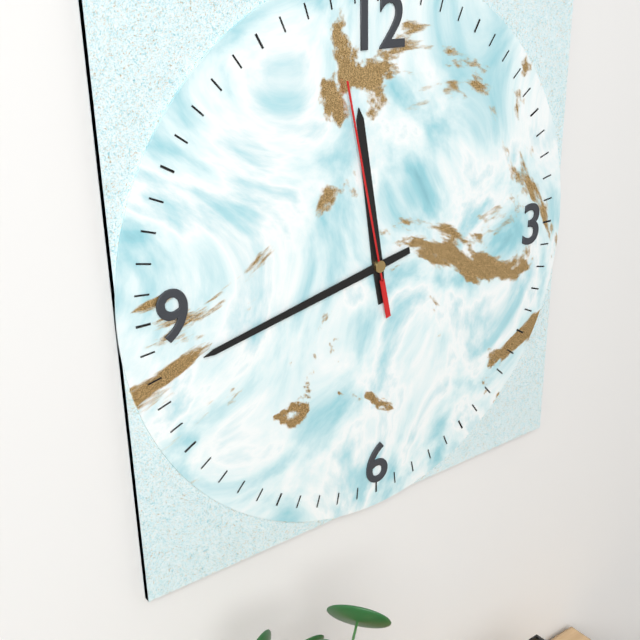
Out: 11:43:58
